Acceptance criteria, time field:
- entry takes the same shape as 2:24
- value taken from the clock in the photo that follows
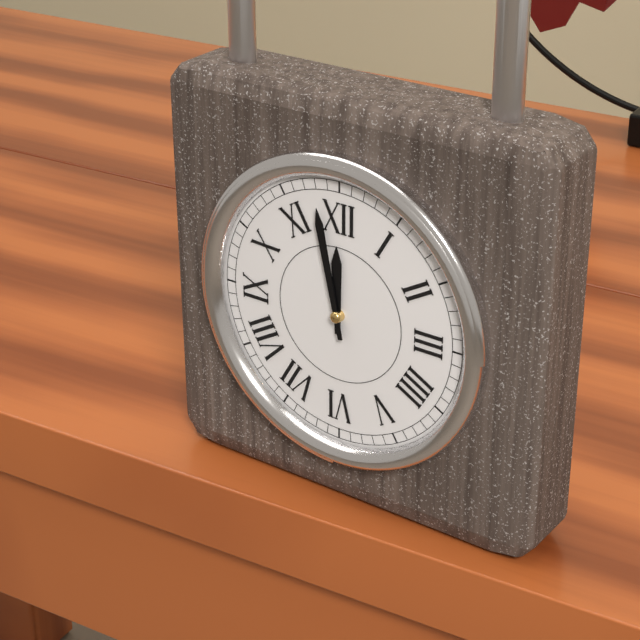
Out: 11:58
